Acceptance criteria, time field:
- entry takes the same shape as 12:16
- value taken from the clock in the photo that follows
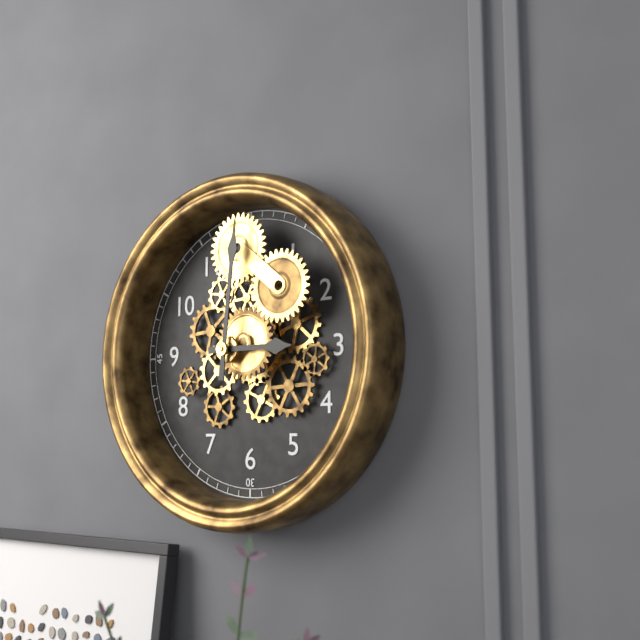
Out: 3:01
